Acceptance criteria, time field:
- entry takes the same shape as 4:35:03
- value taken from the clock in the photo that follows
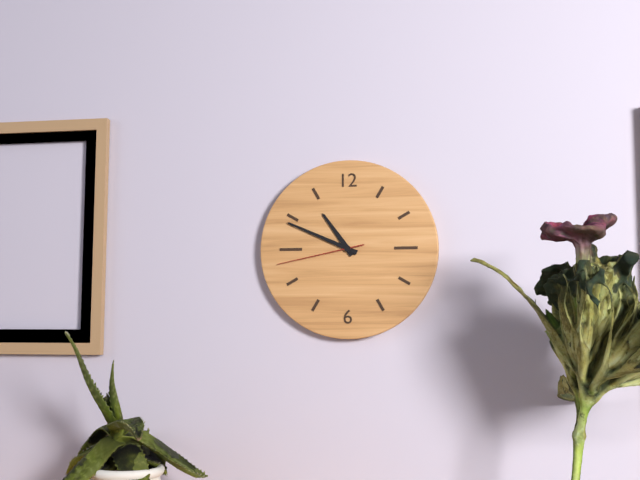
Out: 10:49:43
